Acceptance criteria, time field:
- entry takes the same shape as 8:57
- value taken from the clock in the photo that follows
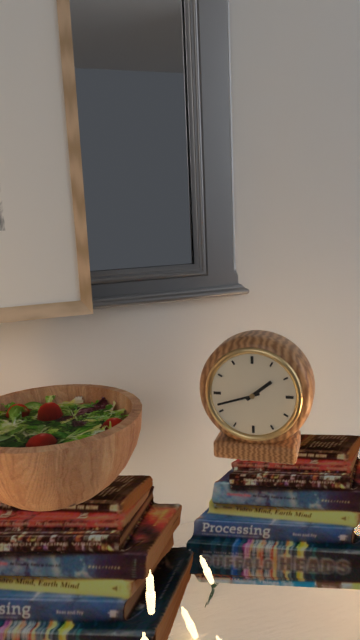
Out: 1:42
